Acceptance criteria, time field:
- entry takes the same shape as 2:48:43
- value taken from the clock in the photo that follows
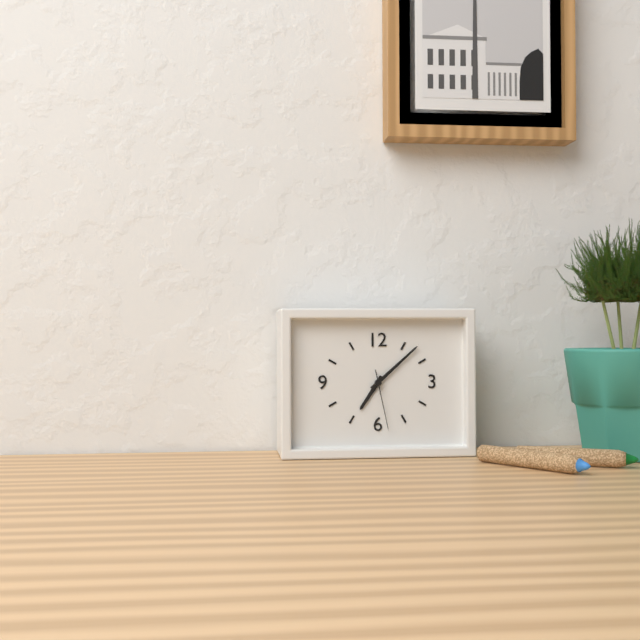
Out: 7:08:28
